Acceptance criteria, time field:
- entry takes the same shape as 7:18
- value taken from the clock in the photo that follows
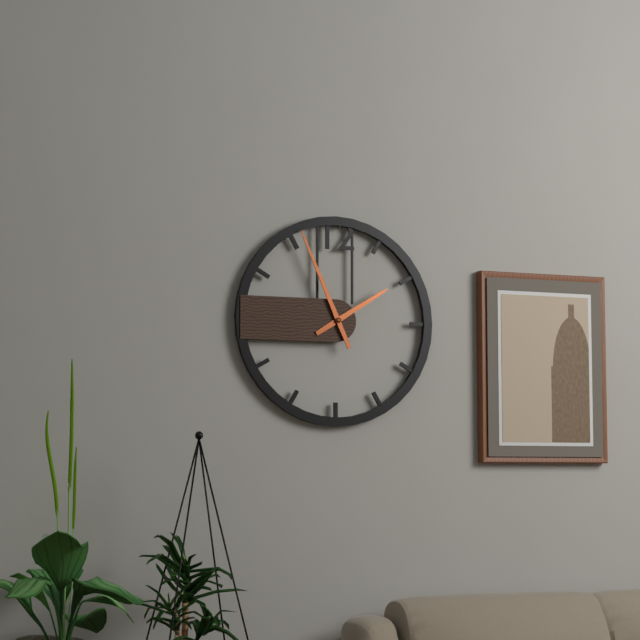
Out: 1:56
